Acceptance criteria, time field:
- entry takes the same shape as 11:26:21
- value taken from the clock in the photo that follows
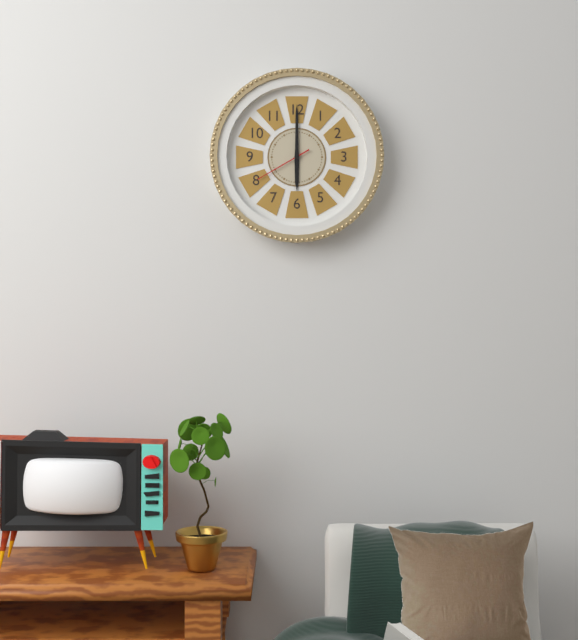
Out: 6:00:40
